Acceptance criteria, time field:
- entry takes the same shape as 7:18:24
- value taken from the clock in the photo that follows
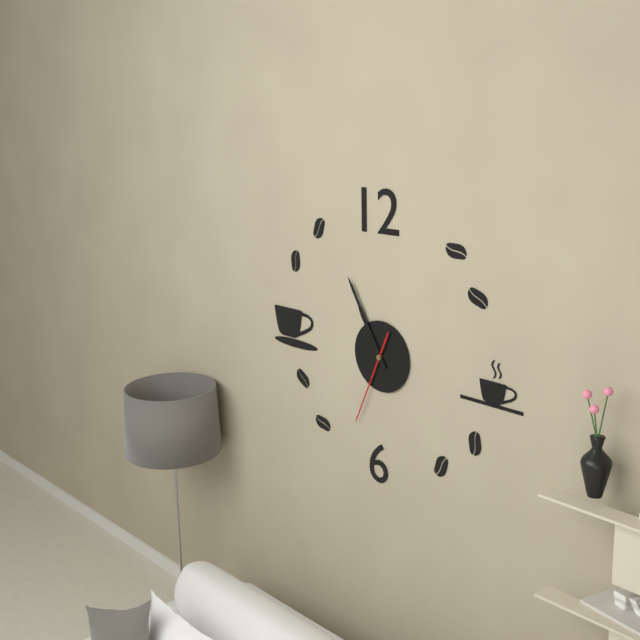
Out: 10:55:34
